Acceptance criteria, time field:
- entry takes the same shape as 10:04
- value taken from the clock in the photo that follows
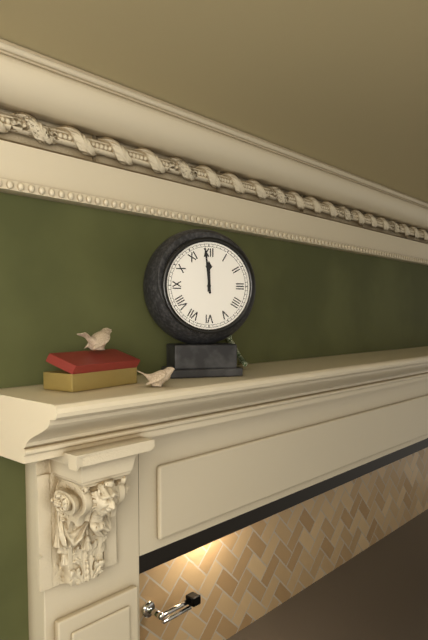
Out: 11:59
